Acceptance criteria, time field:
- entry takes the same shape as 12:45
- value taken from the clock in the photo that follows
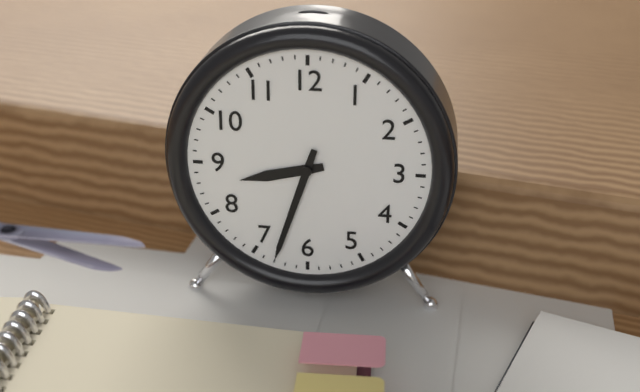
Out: 8:33
